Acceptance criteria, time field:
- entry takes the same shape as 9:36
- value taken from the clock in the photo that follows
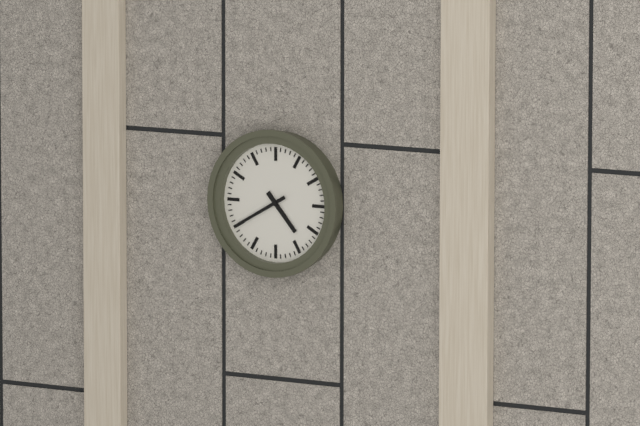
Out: 4:40
